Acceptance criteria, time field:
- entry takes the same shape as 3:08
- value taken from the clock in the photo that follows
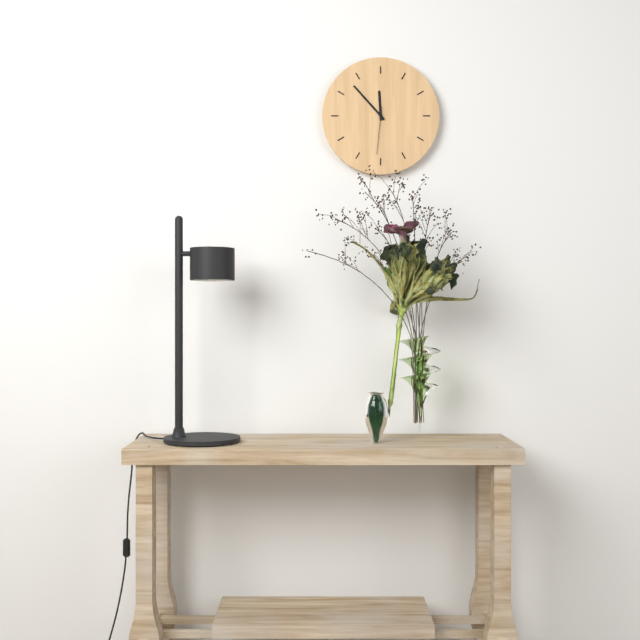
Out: 11:53
